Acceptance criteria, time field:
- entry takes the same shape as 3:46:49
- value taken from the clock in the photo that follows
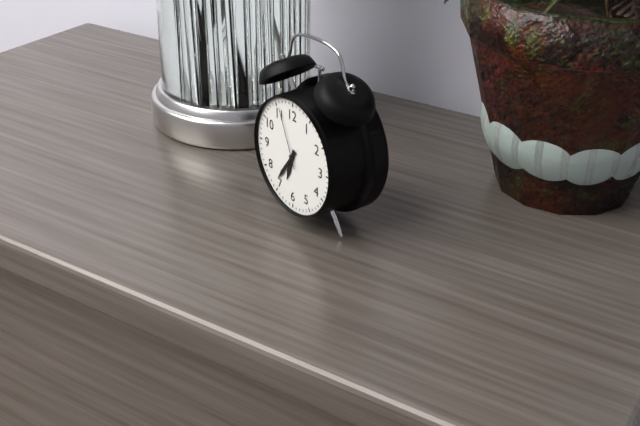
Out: 6:36:56
